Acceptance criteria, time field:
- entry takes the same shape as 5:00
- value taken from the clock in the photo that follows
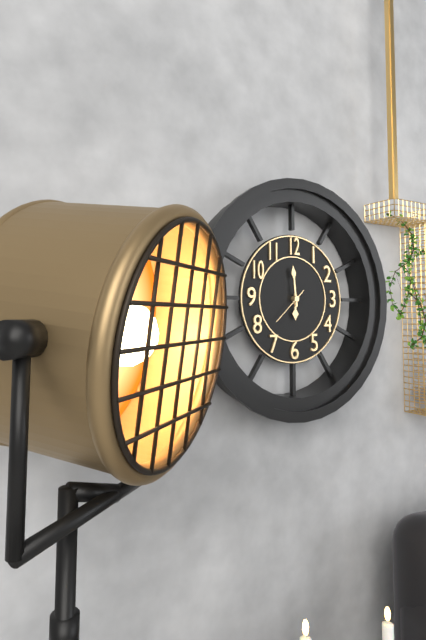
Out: 5:59
